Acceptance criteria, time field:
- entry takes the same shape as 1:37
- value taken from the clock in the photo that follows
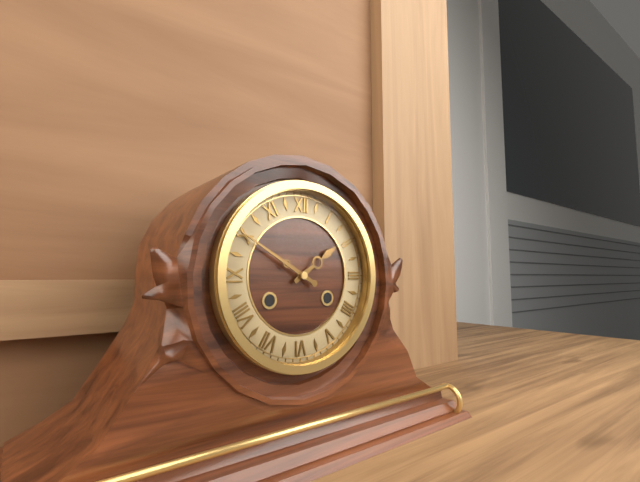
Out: 1:50
